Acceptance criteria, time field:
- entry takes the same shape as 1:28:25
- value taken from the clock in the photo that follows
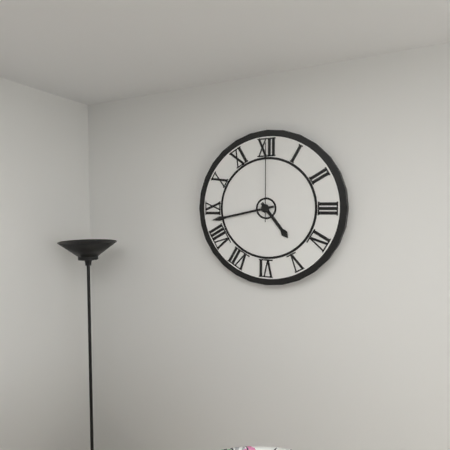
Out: 4:43:00
